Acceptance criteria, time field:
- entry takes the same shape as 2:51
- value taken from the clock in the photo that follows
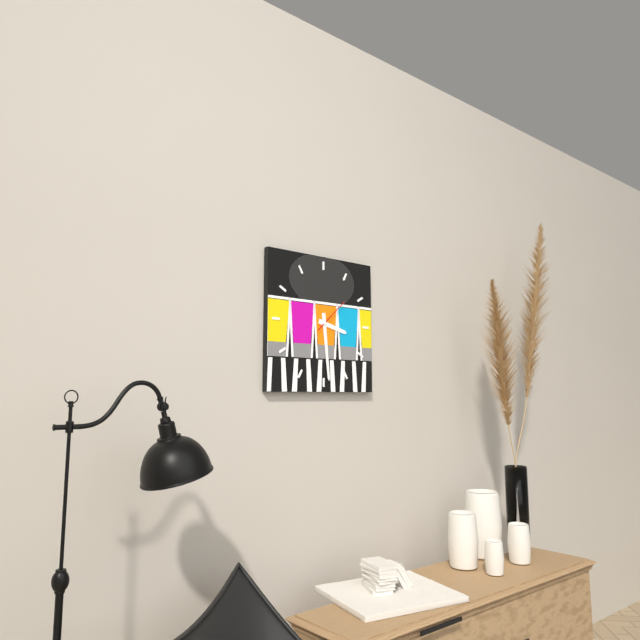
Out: 3:29
